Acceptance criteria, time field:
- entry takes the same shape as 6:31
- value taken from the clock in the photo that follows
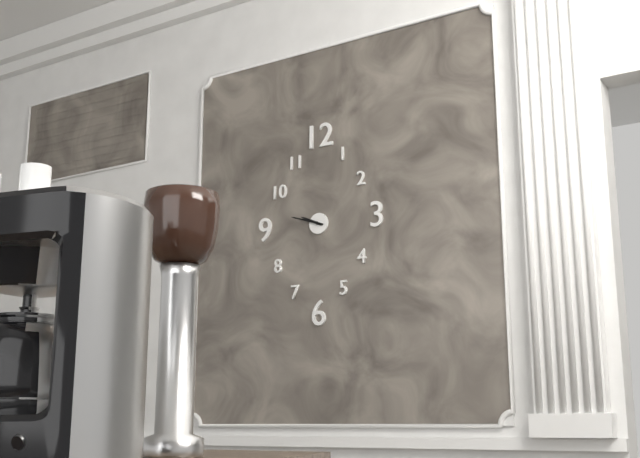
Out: 9:48
